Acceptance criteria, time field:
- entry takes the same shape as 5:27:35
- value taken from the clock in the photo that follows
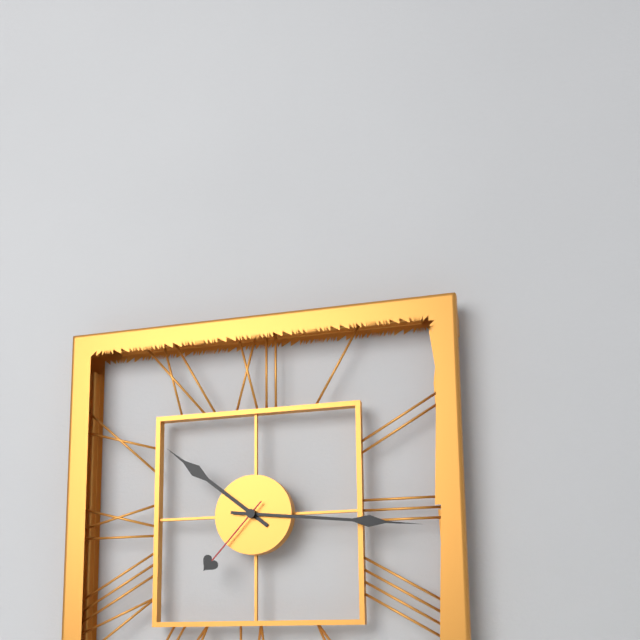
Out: 10:16:37
